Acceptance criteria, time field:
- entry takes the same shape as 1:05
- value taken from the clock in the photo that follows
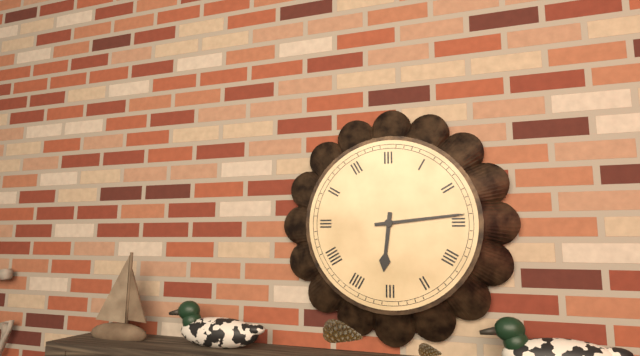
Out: 6:14
